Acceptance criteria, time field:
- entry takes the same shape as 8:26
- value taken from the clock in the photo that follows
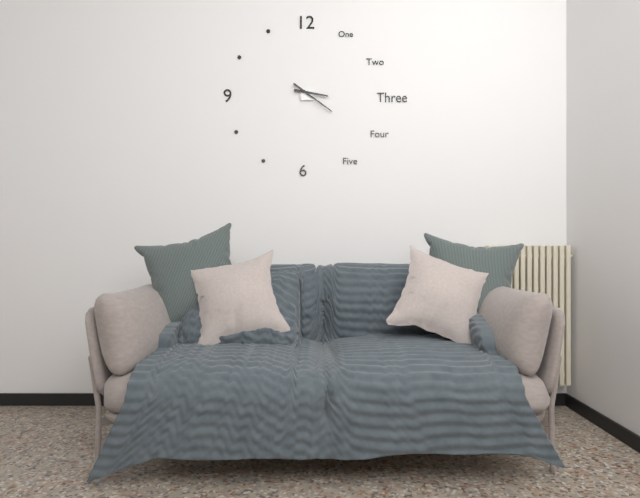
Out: 3:21
